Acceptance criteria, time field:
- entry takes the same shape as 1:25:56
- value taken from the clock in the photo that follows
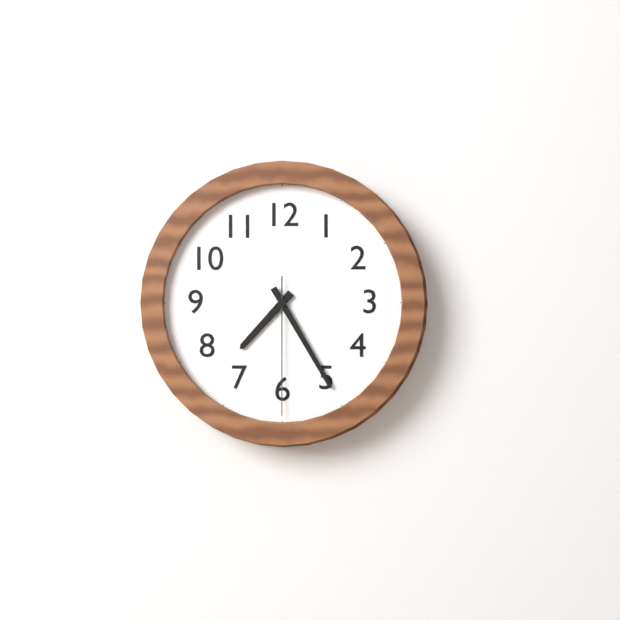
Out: 7:25:30
